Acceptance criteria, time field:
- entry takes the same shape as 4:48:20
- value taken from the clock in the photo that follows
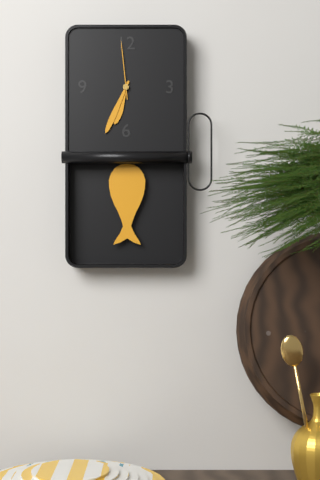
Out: 6:34:59
